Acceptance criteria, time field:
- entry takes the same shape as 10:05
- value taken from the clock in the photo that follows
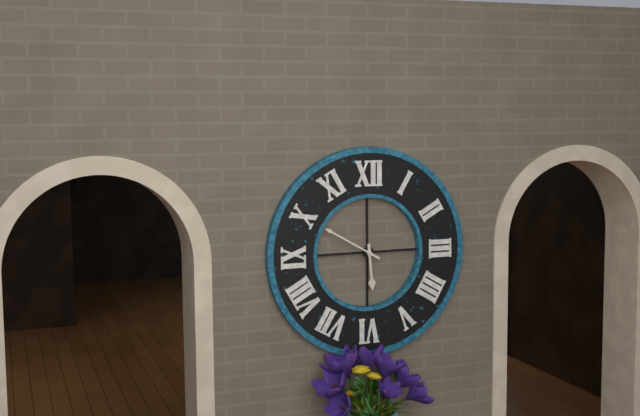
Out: 5:50
